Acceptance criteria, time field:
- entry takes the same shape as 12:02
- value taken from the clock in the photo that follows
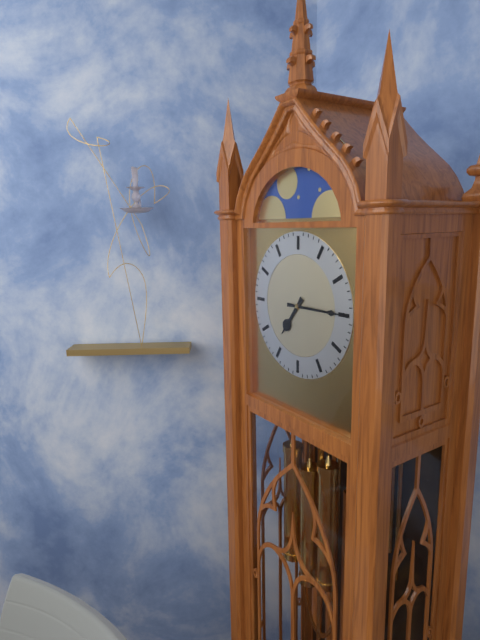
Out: 7:15
